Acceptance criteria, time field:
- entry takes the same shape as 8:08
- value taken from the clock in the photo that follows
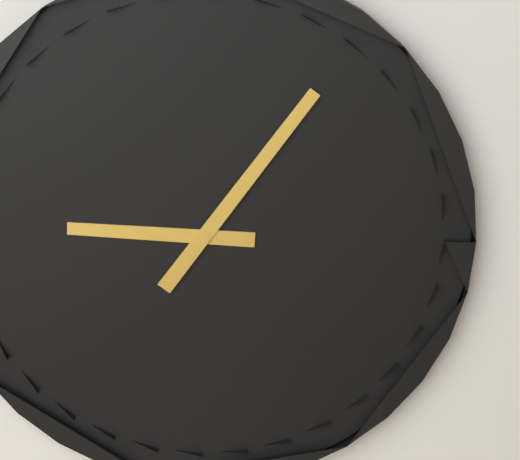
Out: 9:06
